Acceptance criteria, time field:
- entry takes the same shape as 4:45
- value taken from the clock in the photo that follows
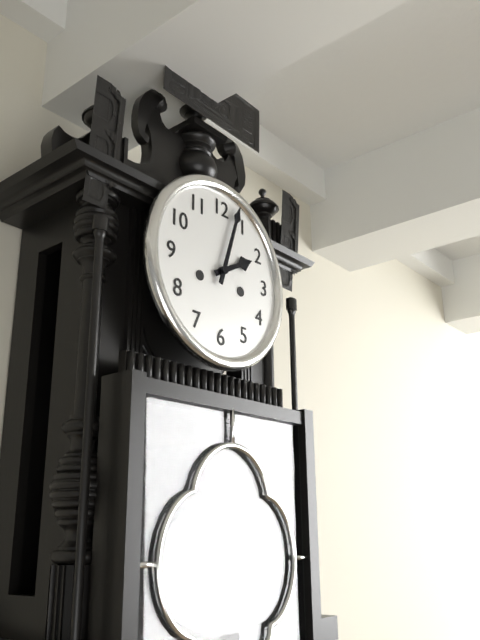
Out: 2:03
